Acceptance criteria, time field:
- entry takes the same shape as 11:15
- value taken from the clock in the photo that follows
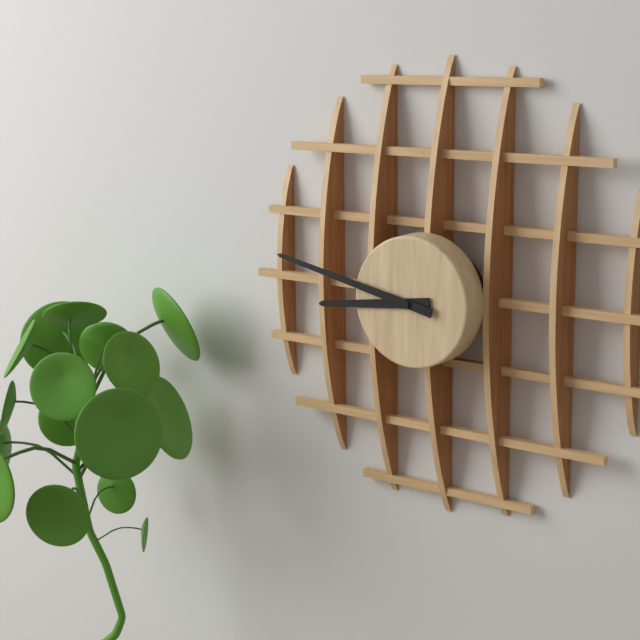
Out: 8:47
